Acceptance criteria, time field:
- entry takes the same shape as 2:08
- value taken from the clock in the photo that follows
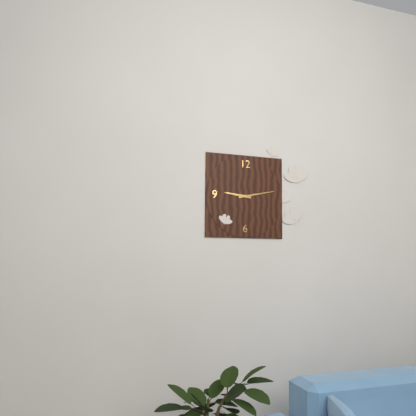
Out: 9:13
